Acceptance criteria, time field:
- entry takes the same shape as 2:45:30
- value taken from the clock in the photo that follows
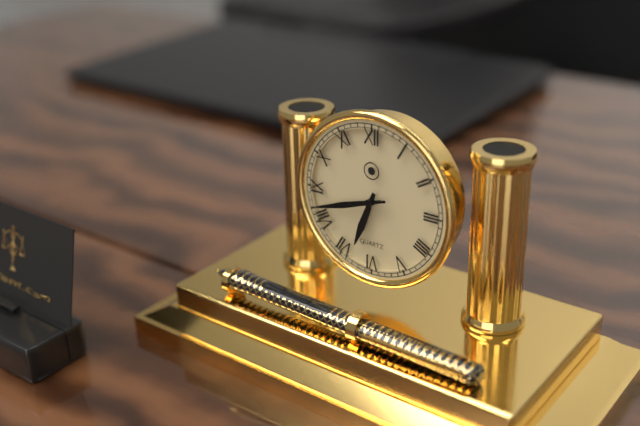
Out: 6:42:42
